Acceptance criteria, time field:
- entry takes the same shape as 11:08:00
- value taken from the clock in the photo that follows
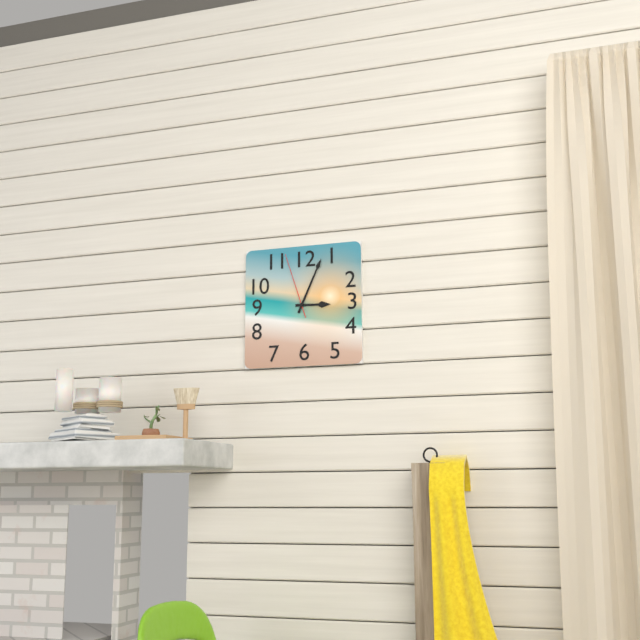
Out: 3:04:57
